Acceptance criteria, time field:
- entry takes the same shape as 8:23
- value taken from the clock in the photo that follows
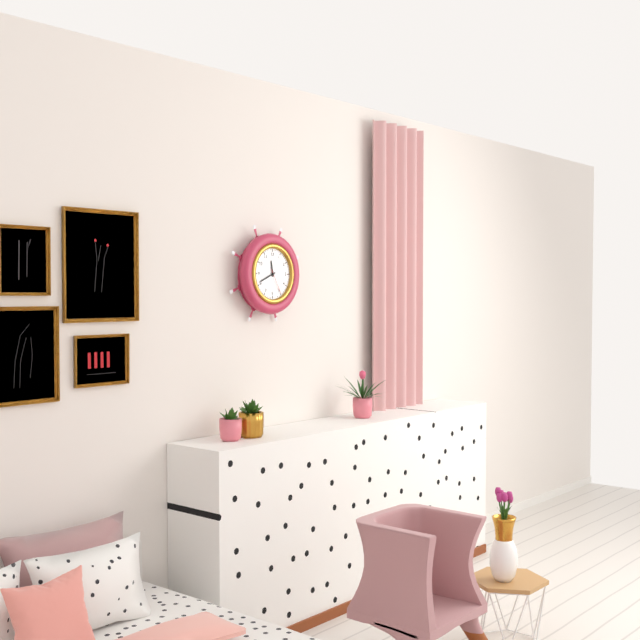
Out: 11:41
